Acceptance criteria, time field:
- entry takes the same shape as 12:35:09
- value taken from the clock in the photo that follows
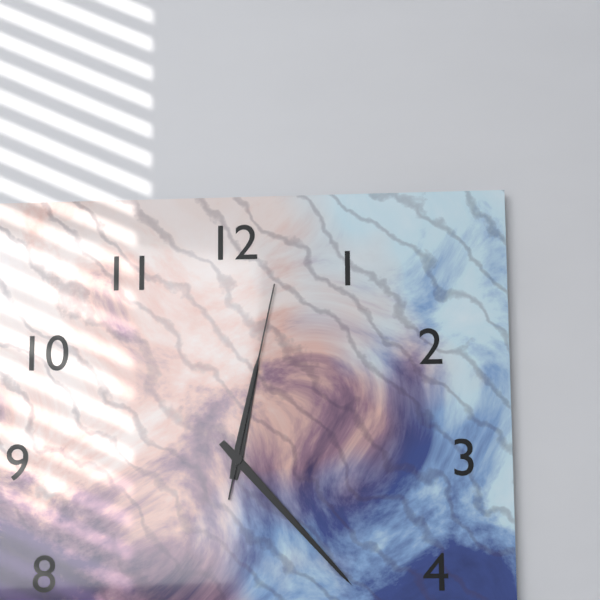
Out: 12:23:02
